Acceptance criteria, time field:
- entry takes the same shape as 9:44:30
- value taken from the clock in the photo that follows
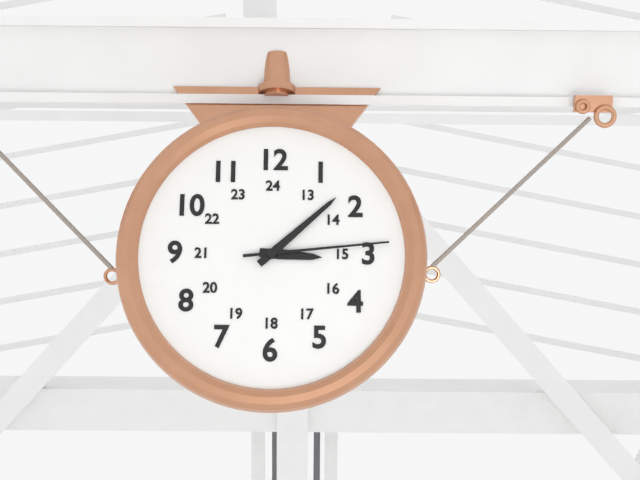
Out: 3:08:14
